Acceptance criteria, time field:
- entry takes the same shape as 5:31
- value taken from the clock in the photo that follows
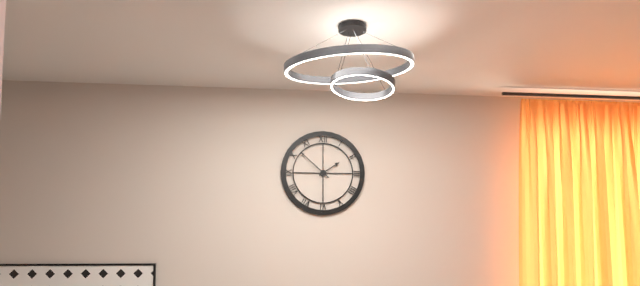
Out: 1:52
